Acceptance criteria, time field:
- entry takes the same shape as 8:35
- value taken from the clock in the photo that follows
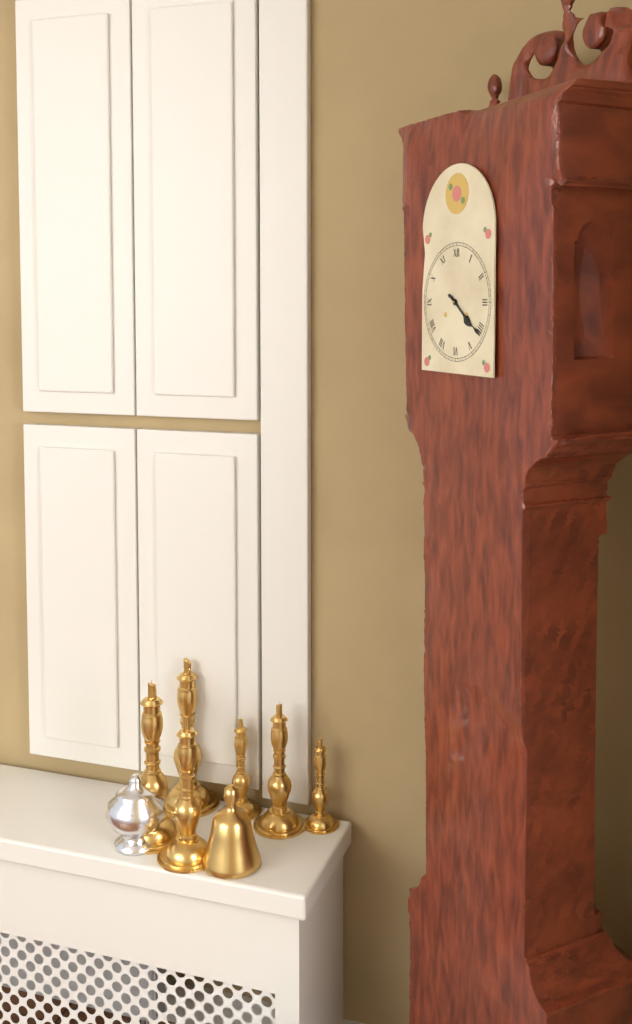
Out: 4:21
